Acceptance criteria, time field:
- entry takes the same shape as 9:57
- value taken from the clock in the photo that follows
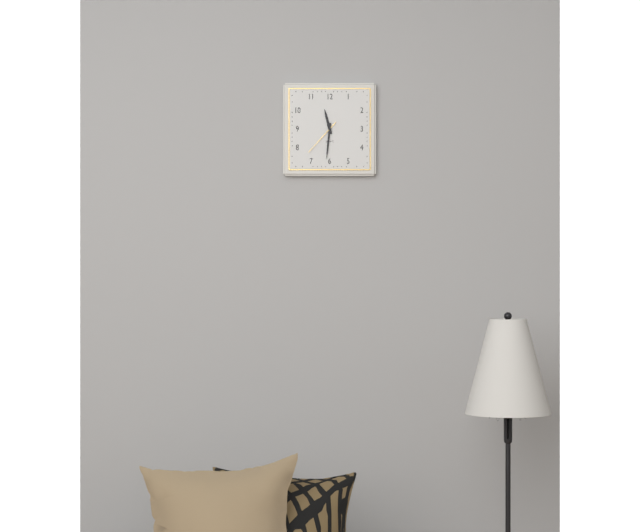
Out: 11:31
